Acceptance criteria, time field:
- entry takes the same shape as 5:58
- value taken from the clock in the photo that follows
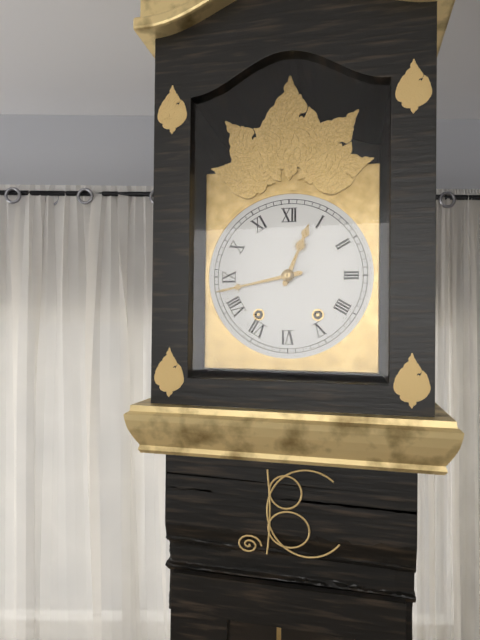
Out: 12:43
